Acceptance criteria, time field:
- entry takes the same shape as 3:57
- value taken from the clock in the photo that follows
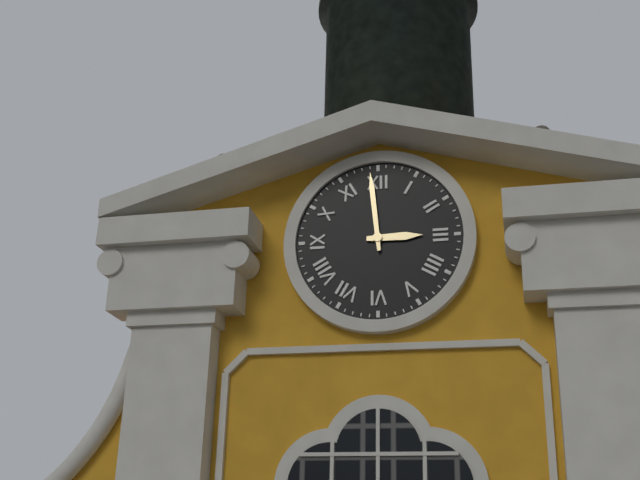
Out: 2:59
